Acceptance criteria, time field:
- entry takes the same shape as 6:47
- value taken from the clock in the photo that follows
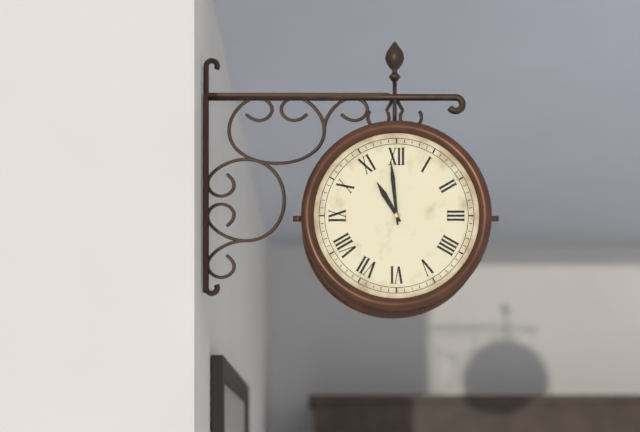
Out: 10:59
